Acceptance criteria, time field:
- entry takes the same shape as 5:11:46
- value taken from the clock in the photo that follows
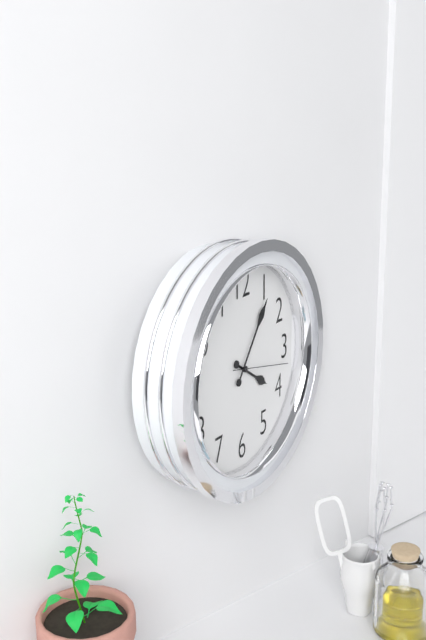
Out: 4:06:17
